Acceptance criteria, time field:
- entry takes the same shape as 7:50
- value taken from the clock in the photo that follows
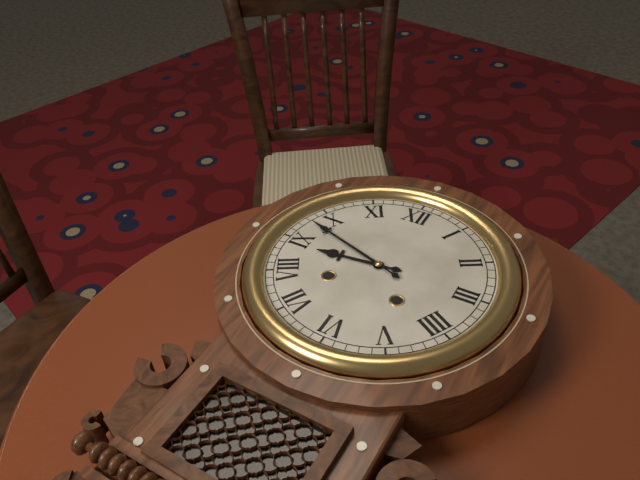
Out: 8:48
